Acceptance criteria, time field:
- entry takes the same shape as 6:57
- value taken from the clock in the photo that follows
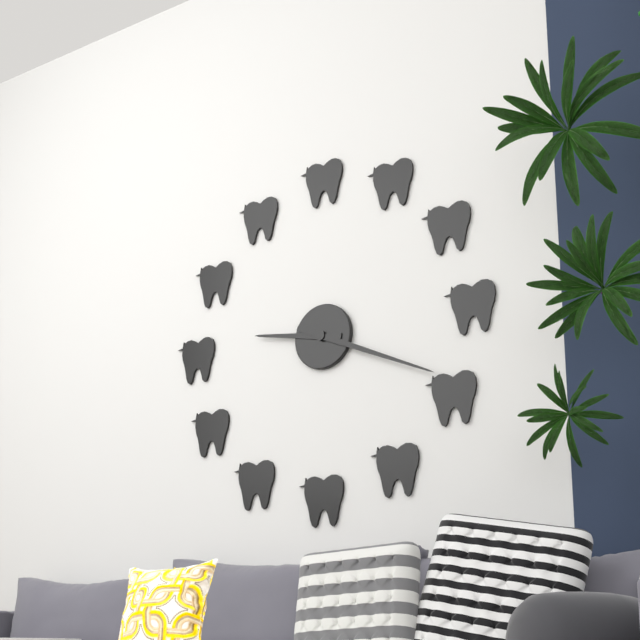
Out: 9:19
